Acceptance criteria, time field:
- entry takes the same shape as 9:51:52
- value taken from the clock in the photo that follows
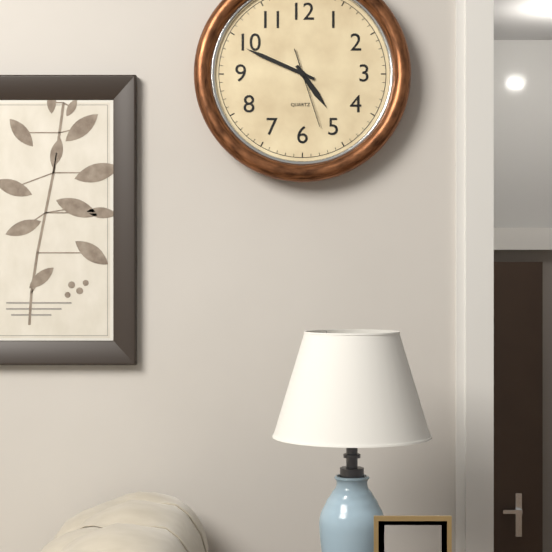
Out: 4:49:27
